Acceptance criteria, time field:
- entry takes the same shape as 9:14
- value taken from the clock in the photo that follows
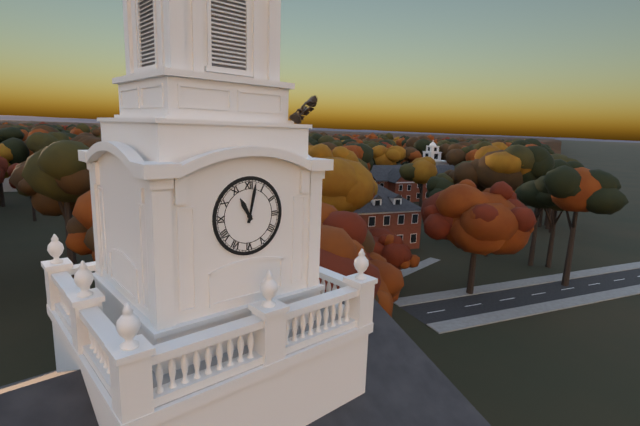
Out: 11:02
